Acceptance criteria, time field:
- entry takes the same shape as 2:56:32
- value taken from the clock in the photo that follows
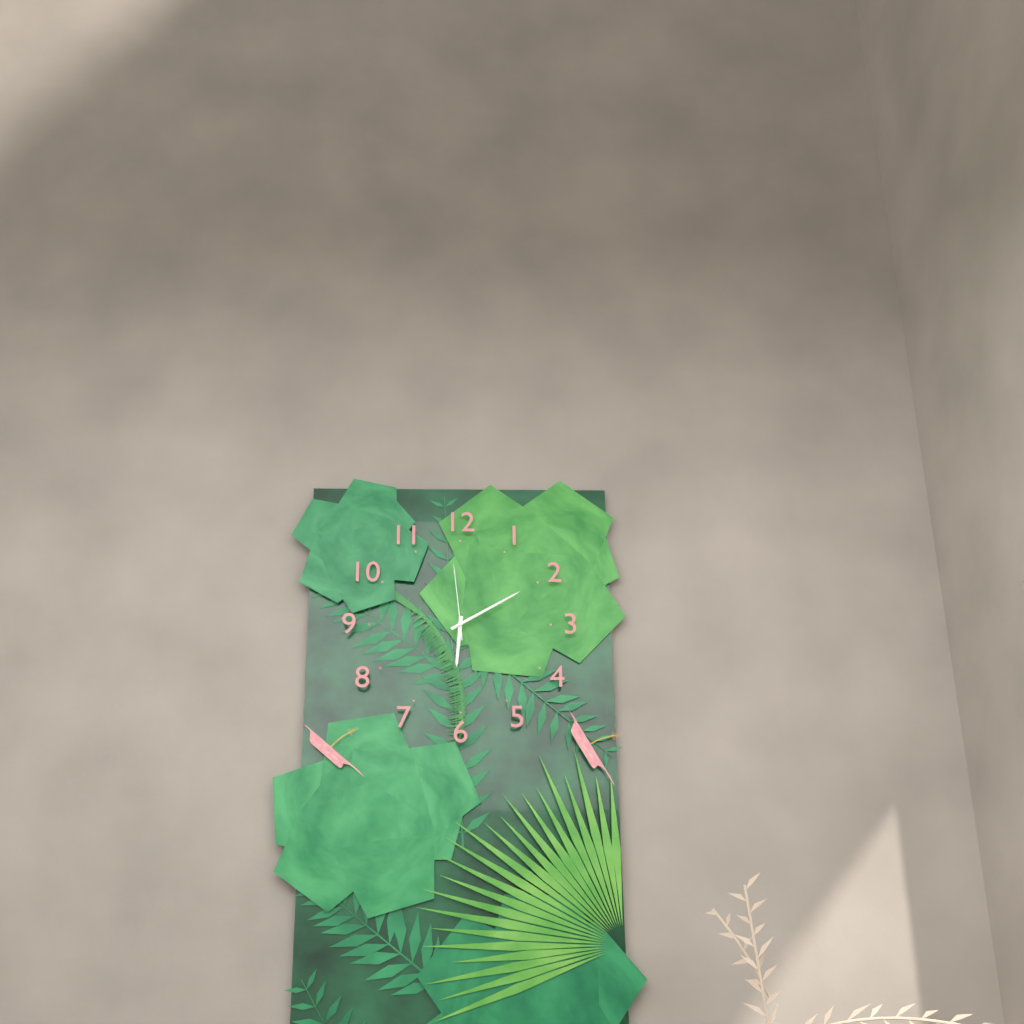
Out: 6:10:59
